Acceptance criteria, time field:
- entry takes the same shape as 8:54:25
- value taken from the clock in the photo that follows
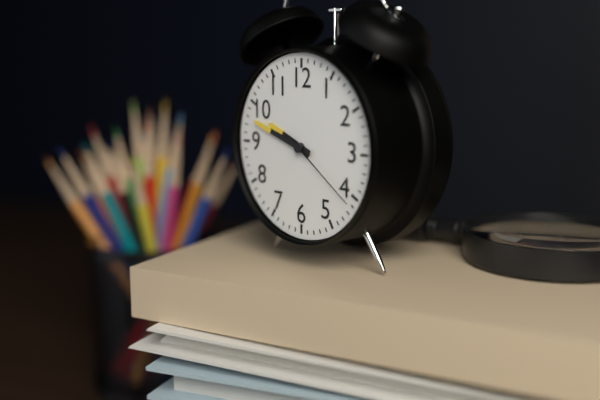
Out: 9:48:21
